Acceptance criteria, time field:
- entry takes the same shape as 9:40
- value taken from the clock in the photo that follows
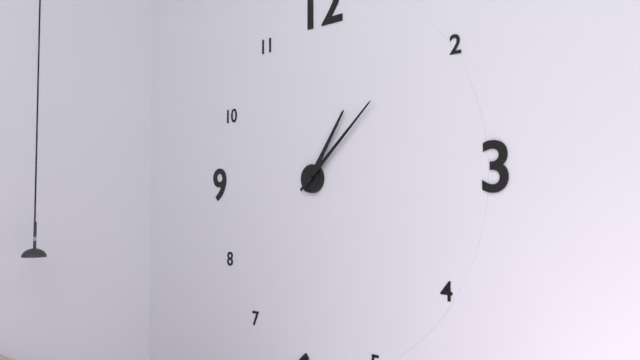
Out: 1:08
